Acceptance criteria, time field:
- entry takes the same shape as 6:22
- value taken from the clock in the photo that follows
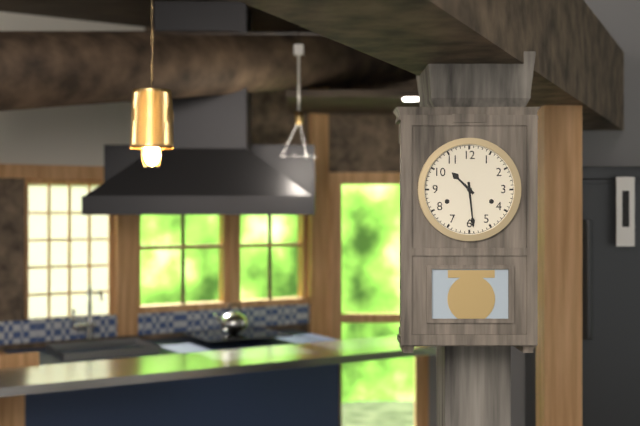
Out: 10:29
